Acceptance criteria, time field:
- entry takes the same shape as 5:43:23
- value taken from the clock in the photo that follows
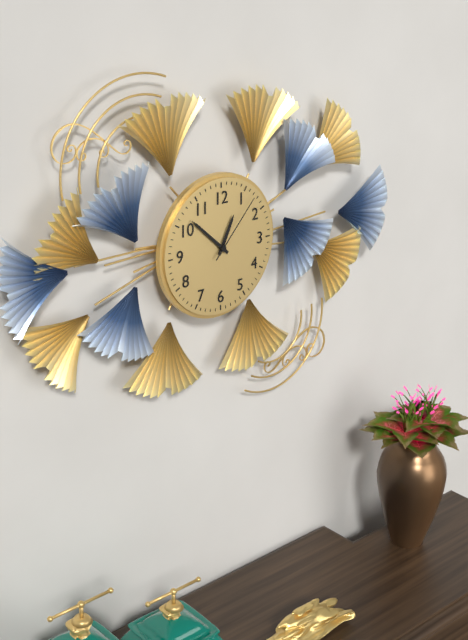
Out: 12:52:07
